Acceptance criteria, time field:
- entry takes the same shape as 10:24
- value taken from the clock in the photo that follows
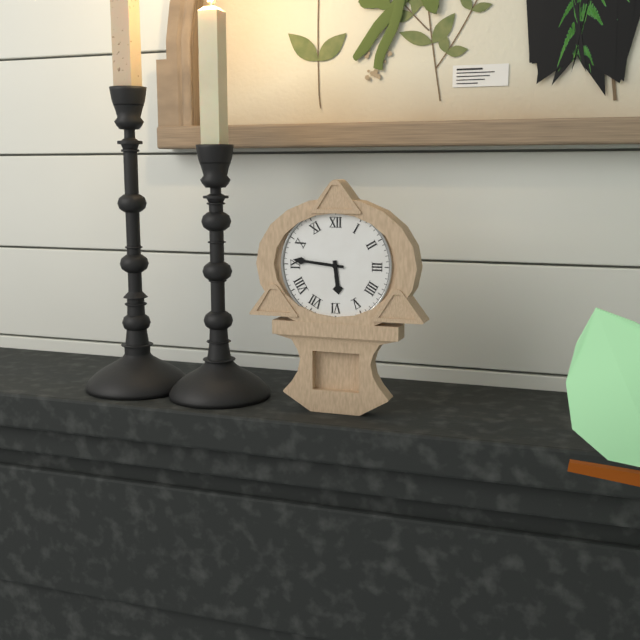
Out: 5:46
